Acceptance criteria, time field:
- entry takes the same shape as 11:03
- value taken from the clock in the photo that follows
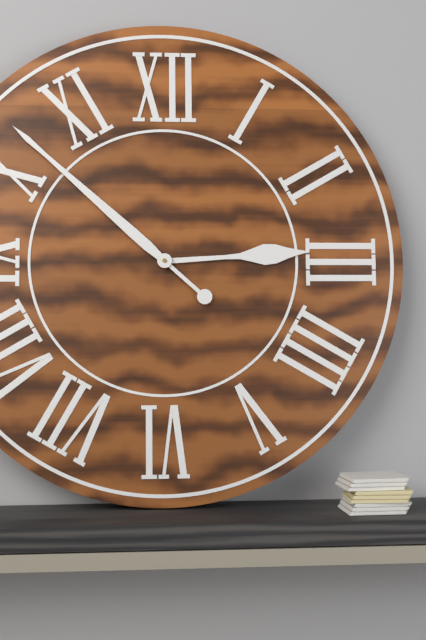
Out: 2:52
